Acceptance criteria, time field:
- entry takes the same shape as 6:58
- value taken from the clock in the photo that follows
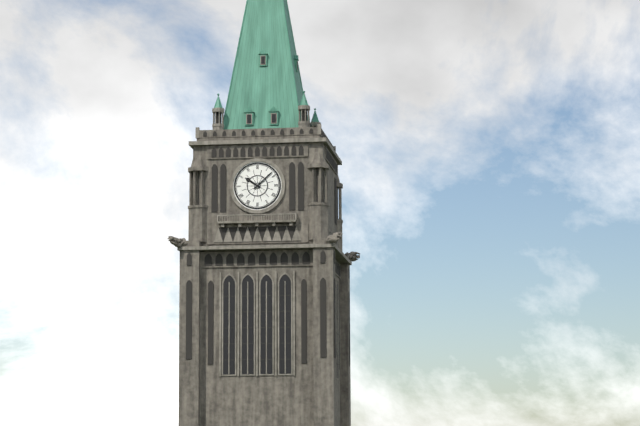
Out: 10:08
